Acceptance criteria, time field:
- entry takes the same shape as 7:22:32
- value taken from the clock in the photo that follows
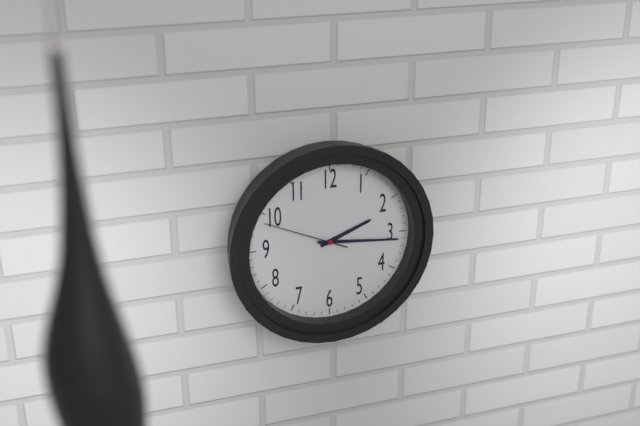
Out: 2:16:49
